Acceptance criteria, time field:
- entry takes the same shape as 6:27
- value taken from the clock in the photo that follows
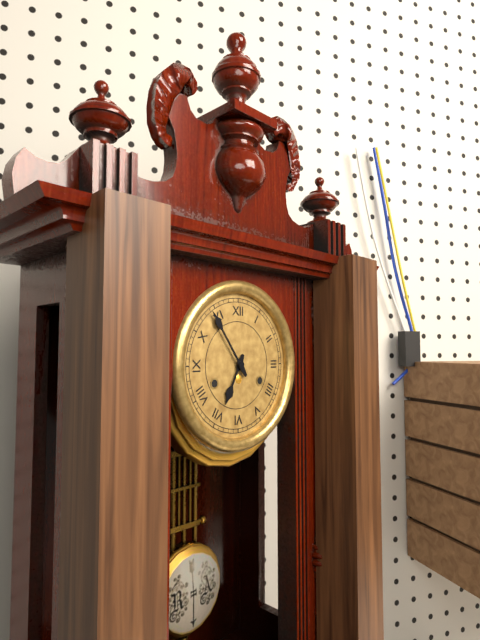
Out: 6:54
